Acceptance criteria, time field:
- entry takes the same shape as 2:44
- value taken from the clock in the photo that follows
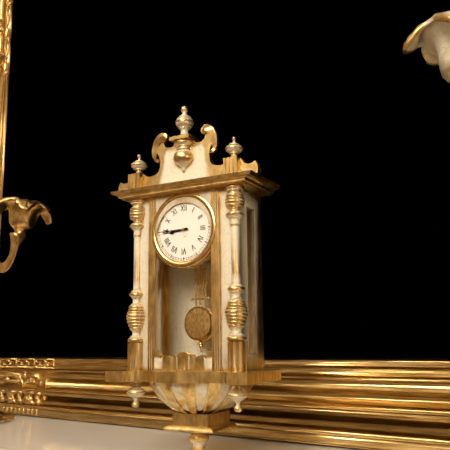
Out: 8:45
